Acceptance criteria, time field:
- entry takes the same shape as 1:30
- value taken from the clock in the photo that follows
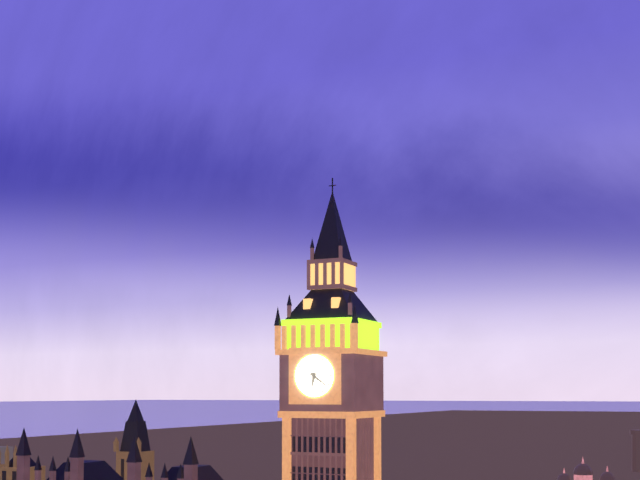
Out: 6:21
